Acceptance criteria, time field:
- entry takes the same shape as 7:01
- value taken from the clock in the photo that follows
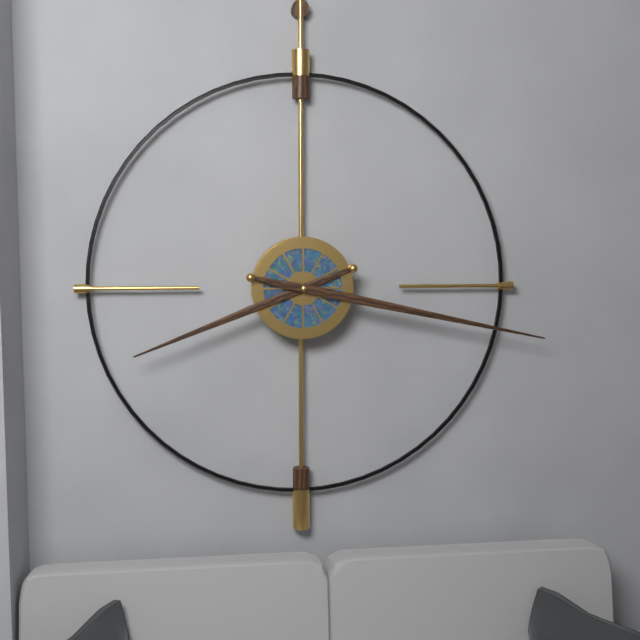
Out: 8:17
